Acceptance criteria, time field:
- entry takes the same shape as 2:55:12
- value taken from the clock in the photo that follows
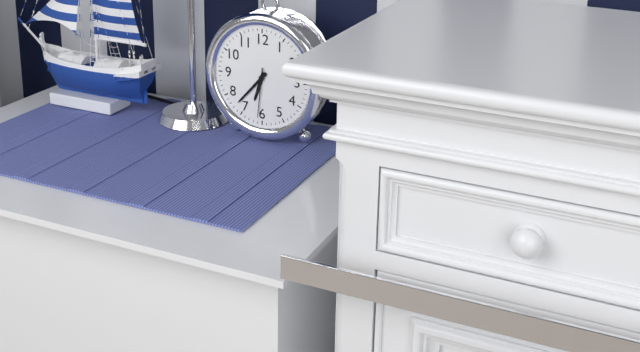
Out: 6:37:31
